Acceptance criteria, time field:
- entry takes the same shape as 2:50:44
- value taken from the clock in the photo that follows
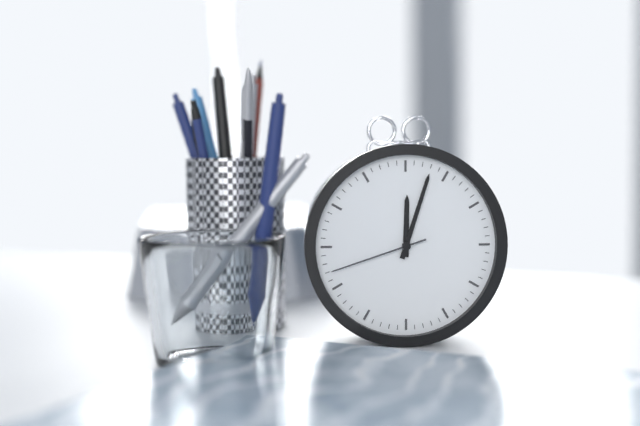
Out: 12:03:42
